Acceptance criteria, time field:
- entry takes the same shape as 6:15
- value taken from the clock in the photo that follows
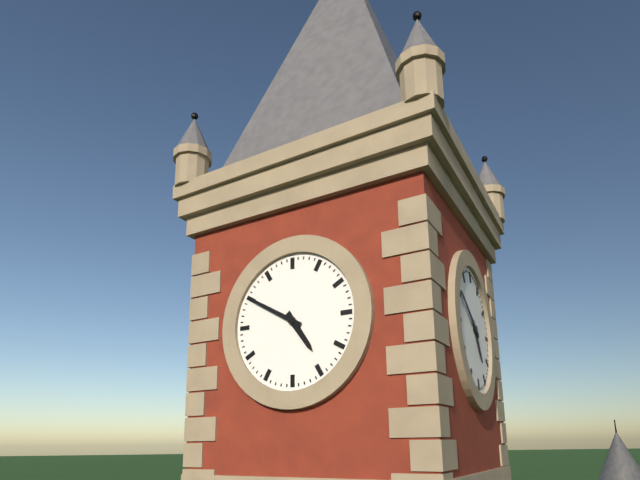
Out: 4:50
